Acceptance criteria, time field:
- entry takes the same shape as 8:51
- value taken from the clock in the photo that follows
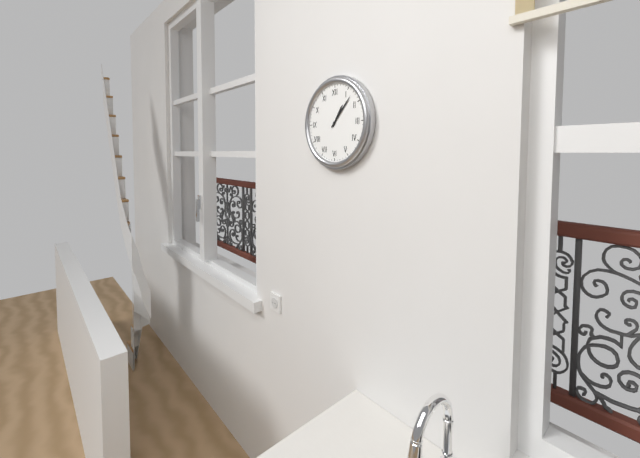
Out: 1:07
